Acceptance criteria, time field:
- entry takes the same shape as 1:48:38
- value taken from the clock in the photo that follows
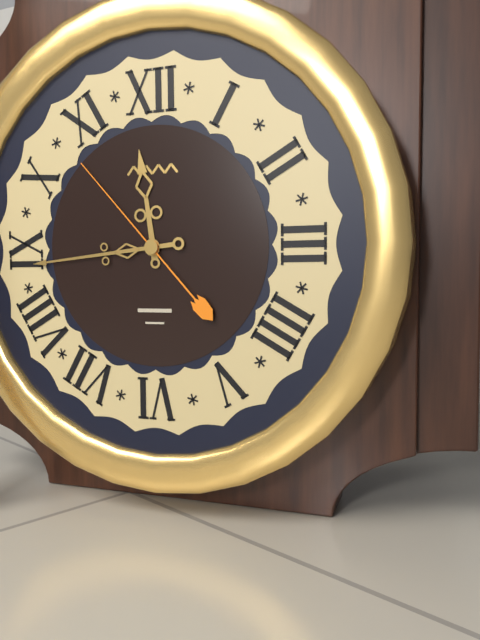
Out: 11:44:53
